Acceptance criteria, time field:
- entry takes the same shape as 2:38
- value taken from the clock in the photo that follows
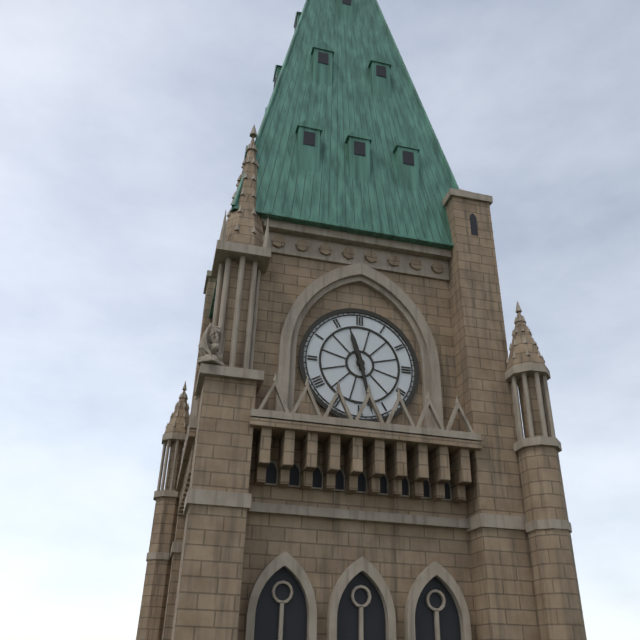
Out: 11:28
